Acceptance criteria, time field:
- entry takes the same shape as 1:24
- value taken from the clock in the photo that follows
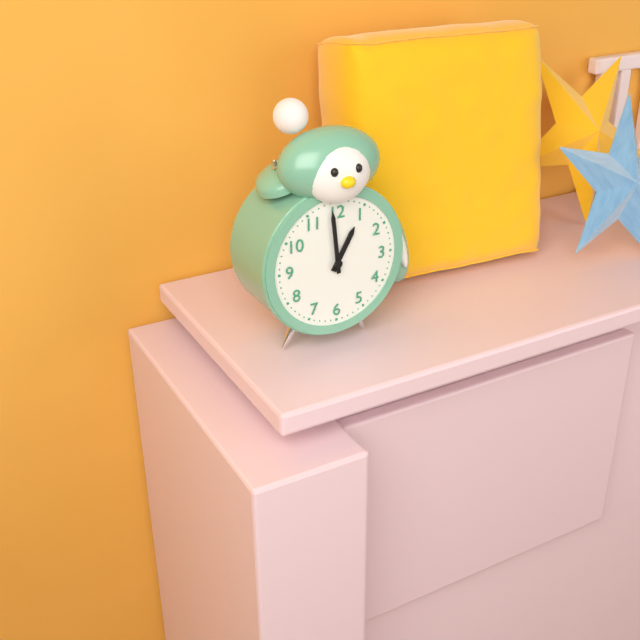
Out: 12:59
